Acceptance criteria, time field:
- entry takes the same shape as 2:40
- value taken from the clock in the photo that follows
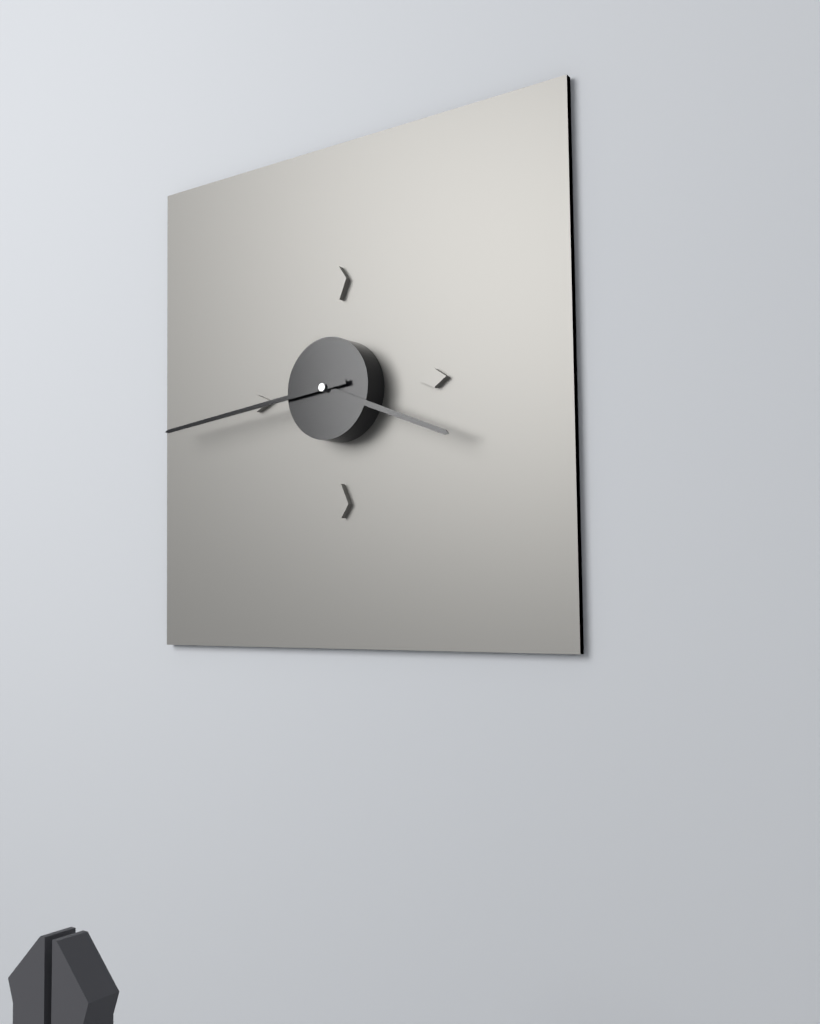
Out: 3:44
